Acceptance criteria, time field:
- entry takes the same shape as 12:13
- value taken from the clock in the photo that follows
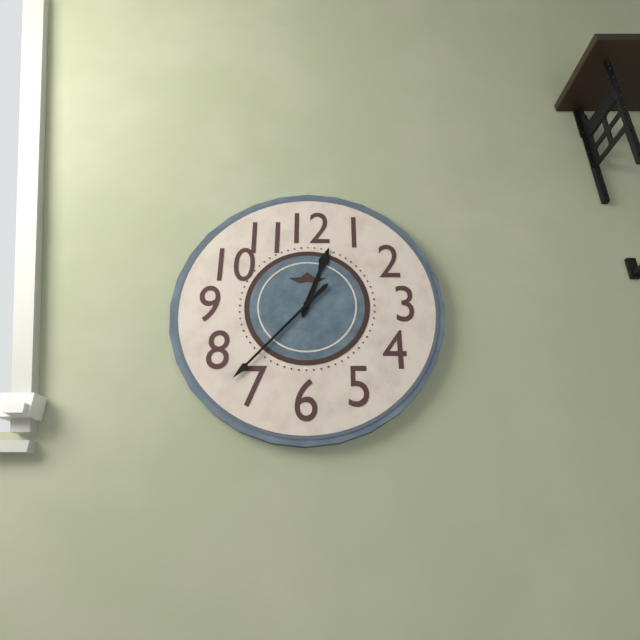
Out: 12:37
